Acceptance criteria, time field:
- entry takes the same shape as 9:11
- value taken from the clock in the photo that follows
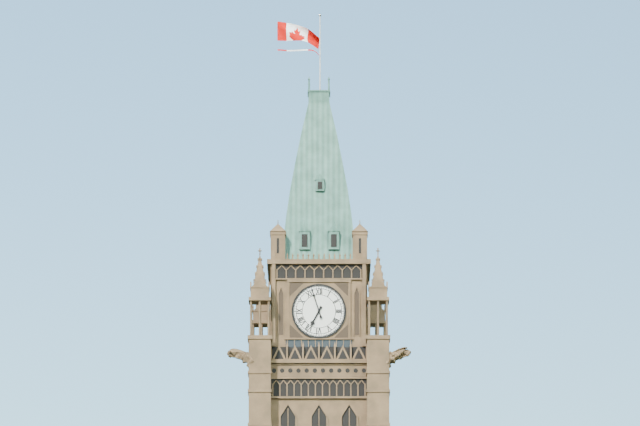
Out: 6:57
